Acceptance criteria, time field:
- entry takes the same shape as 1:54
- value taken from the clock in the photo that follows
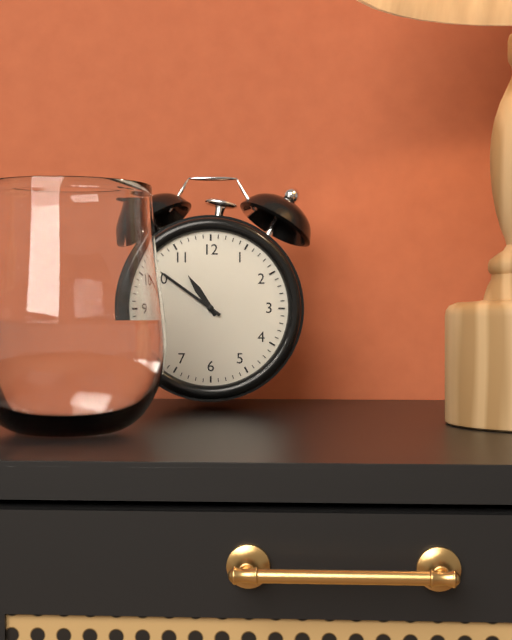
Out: 10:51
